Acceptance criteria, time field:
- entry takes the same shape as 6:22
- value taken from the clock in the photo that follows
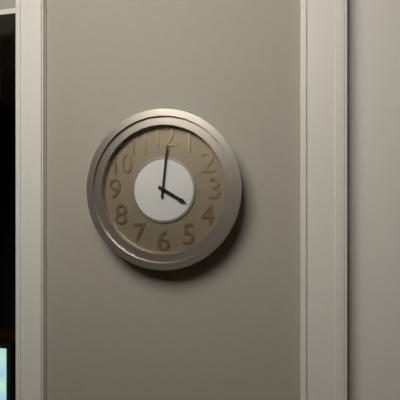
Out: 4:01
